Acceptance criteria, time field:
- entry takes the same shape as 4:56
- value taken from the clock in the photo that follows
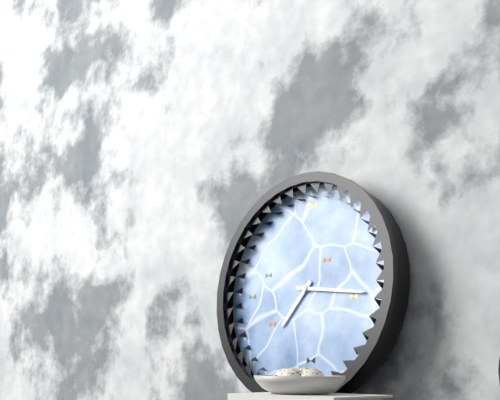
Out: 7:16
